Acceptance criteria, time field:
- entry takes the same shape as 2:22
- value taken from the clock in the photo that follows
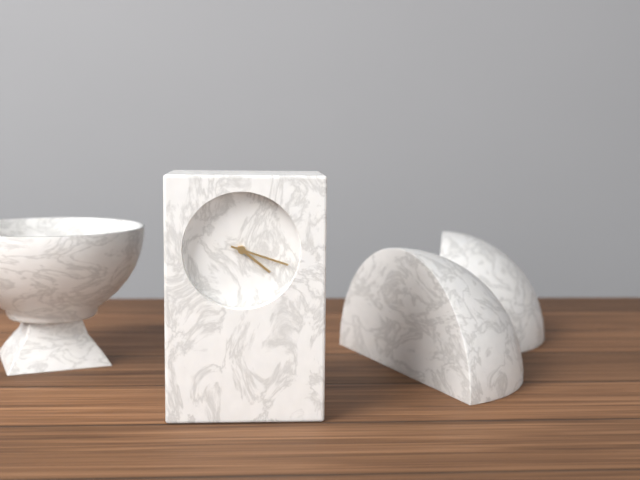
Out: 4:18
